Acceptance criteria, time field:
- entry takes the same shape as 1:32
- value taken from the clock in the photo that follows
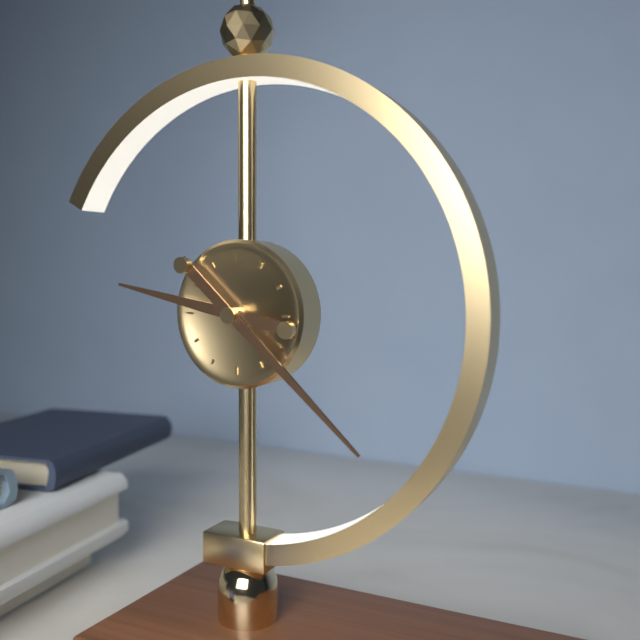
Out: 9:22
